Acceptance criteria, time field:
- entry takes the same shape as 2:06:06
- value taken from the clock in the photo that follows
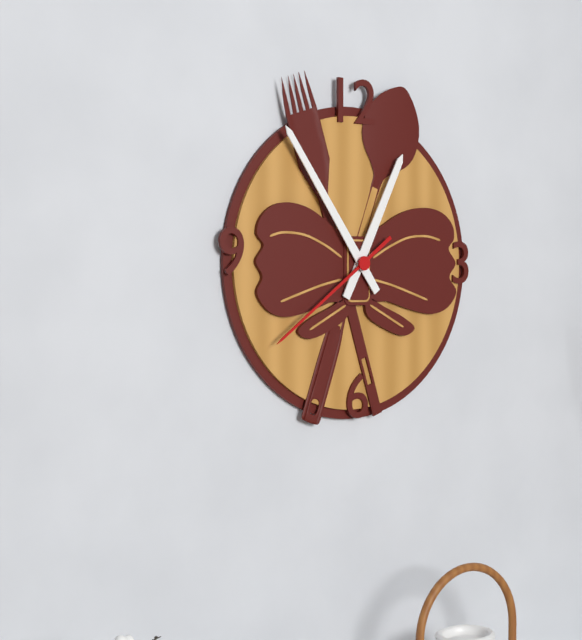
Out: 12:54:39
